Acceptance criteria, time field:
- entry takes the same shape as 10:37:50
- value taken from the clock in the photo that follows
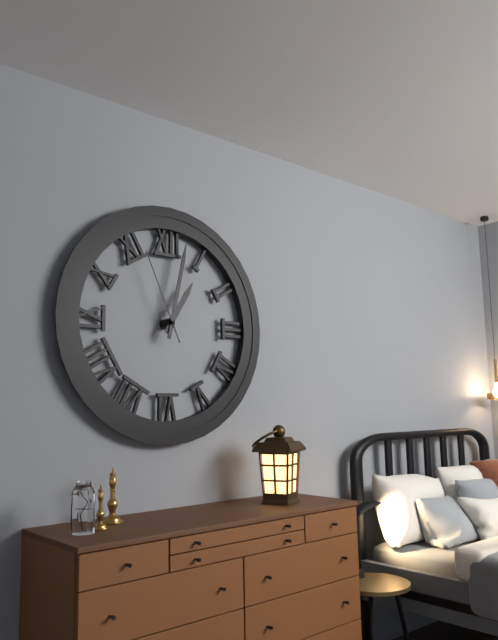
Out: 1:02:56
